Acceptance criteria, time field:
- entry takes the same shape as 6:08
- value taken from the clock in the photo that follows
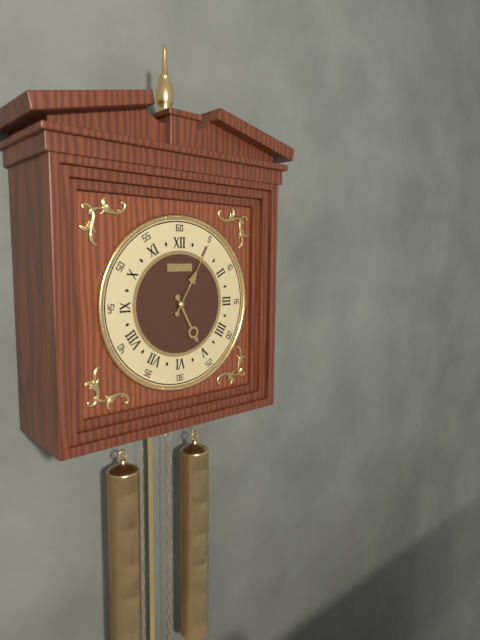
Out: 5:05
